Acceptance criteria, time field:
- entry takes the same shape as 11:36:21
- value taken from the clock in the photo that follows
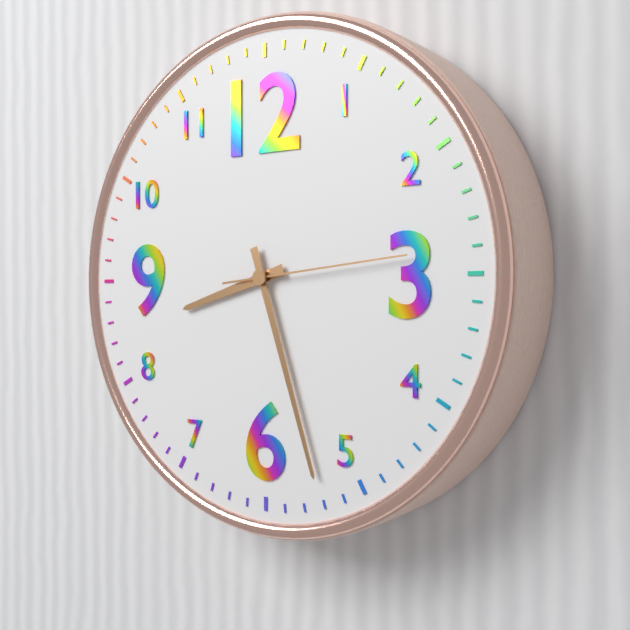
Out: 8:27:14
